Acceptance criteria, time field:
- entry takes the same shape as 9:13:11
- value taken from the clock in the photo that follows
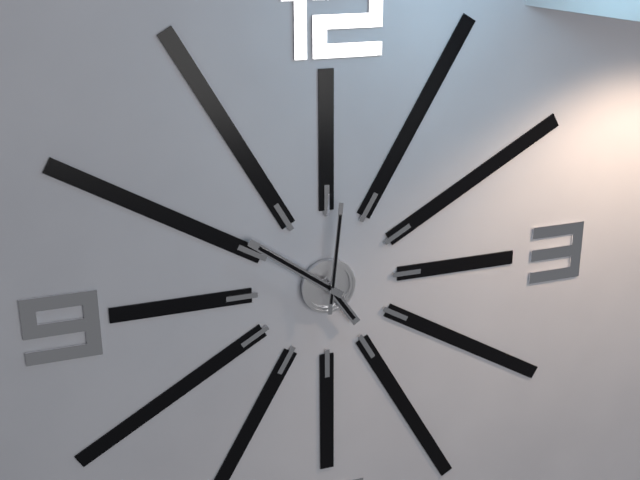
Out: 4:51:01
